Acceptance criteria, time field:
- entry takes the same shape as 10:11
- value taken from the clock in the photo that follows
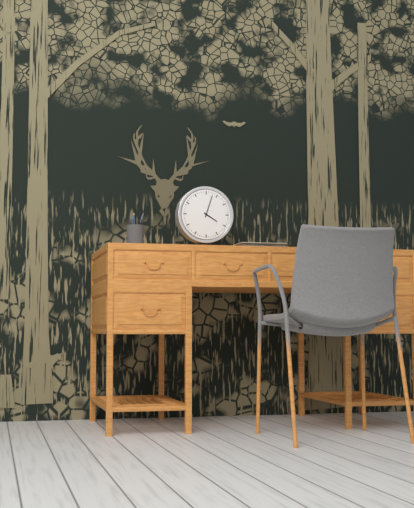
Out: 4:03
